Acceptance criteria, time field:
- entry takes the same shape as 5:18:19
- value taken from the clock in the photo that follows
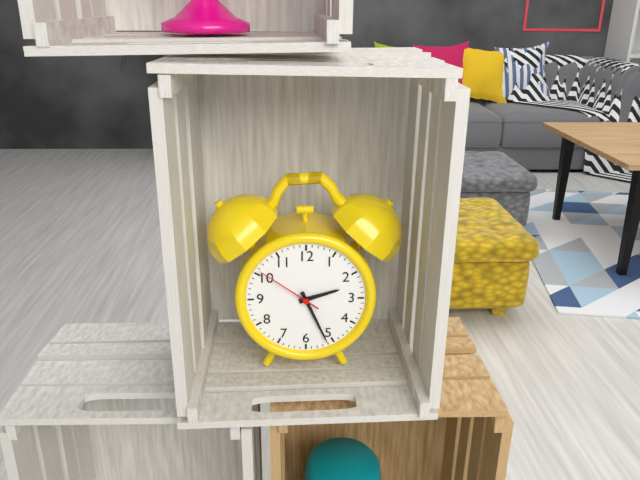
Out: 2:26:51
